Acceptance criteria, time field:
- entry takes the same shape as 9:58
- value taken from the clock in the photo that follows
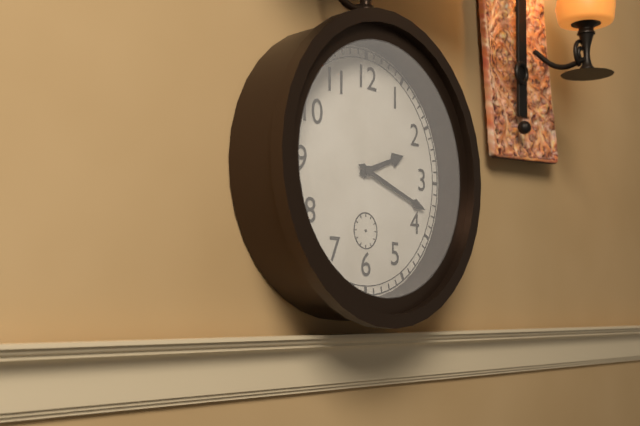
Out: 2:18
